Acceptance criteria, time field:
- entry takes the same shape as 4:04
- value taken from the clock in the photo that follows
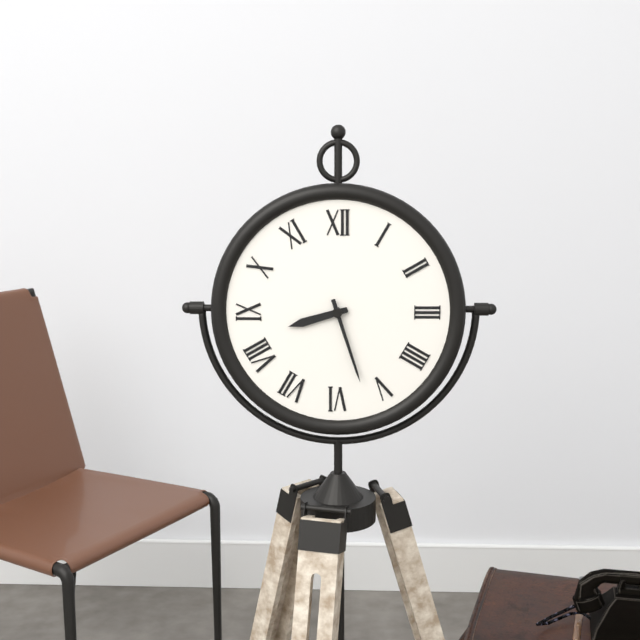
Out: 8:27
